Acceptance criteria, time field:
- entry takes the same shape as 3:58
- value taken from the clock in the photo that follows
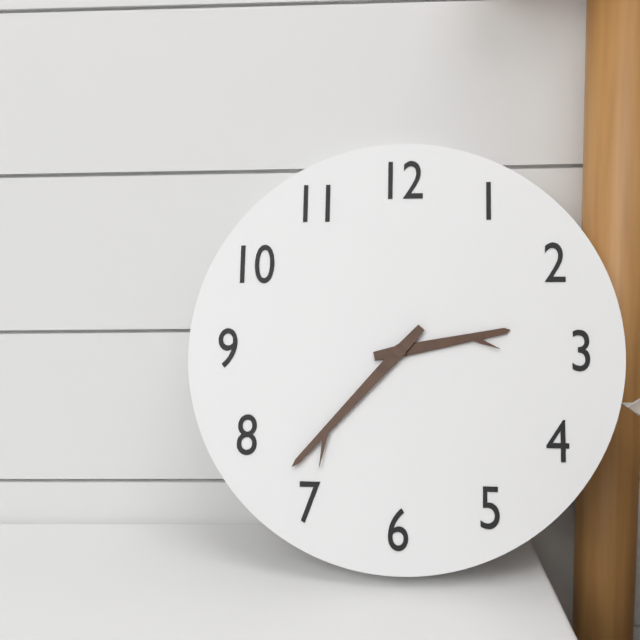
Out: 2:37
